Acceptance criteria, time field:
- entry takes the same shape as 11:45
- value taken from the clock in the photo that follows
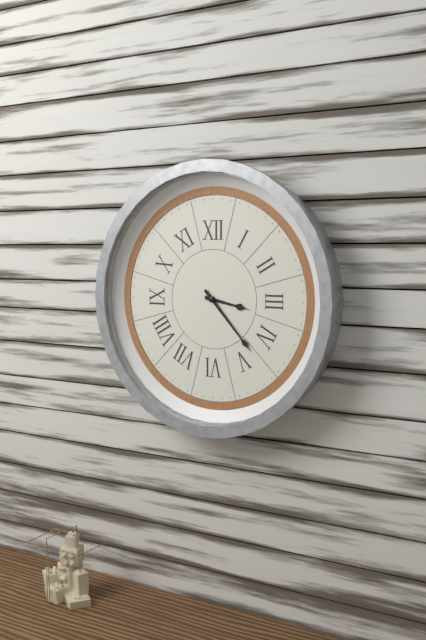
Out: 3:23
